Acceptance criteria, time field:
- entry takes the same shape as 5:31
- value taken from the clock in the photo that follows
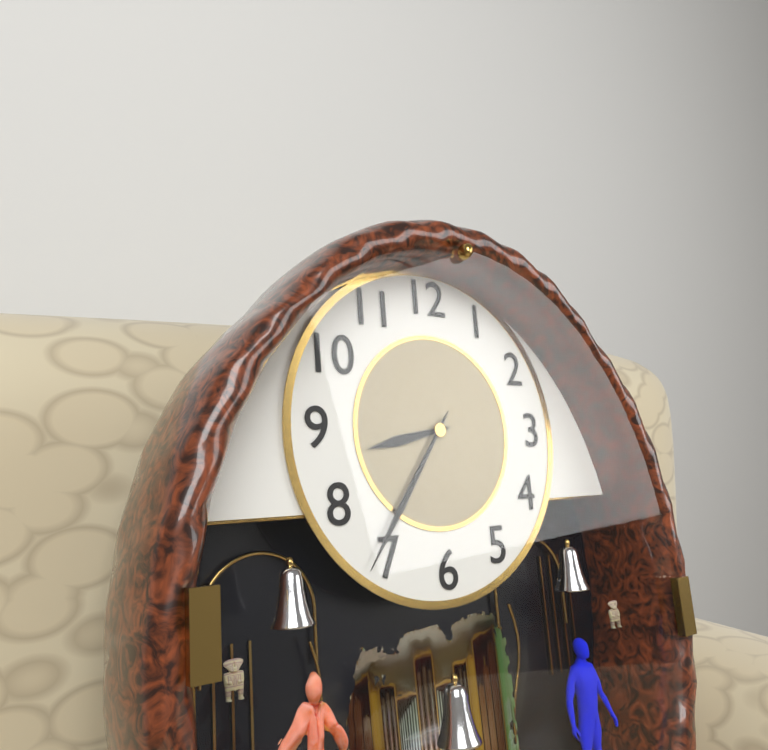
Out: 8:36
